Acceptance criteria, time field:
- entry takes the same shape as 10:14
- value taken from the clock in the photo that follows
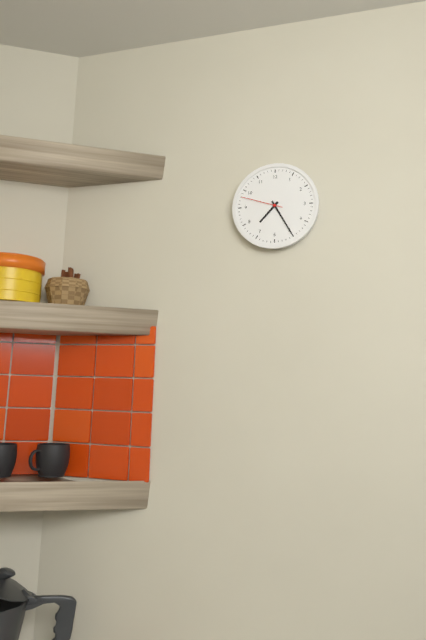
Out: 7:25
